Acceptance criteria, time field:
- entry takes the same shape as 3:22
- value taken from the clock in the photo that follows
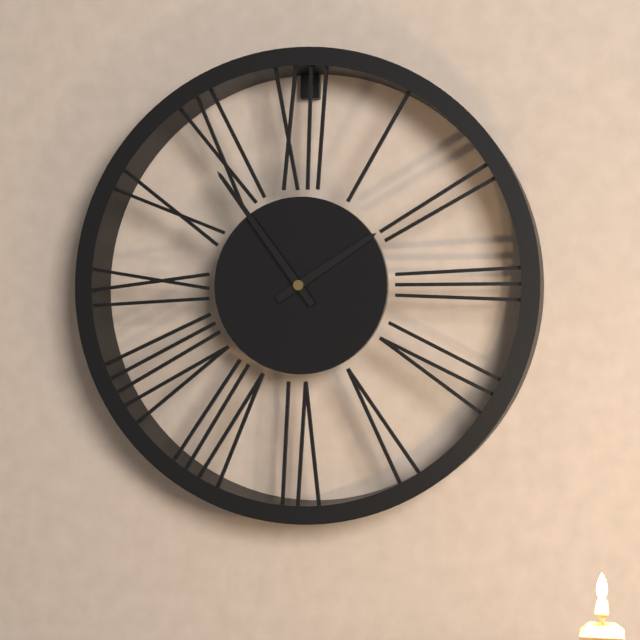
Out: 1:54
